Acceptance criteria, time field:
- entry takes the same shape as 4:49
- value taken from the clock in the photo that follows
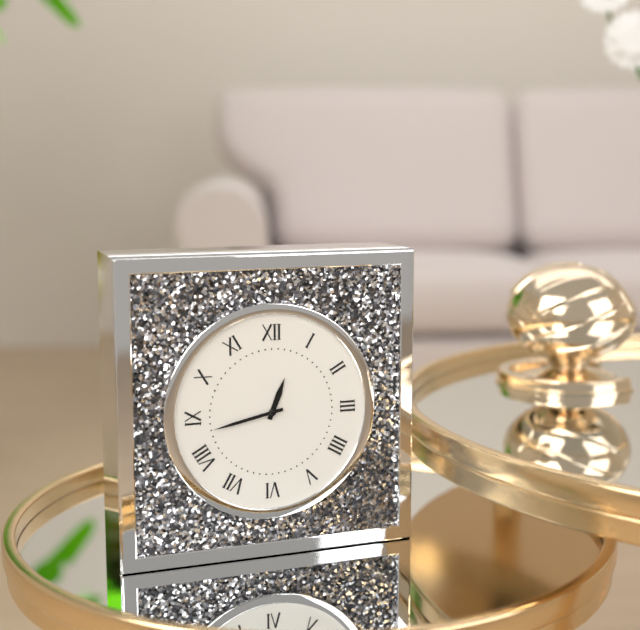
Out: 12:43
